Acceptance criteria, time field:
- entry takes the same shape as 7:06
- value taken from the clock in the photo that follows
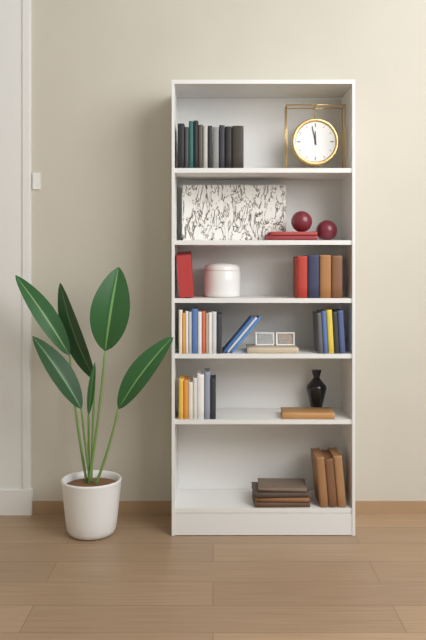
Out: 11:58
